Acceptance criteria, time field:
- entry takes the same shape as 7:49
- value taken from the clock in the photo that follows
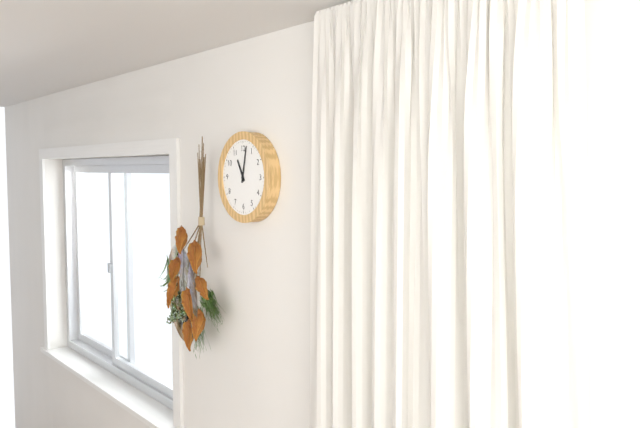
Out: 11:02
